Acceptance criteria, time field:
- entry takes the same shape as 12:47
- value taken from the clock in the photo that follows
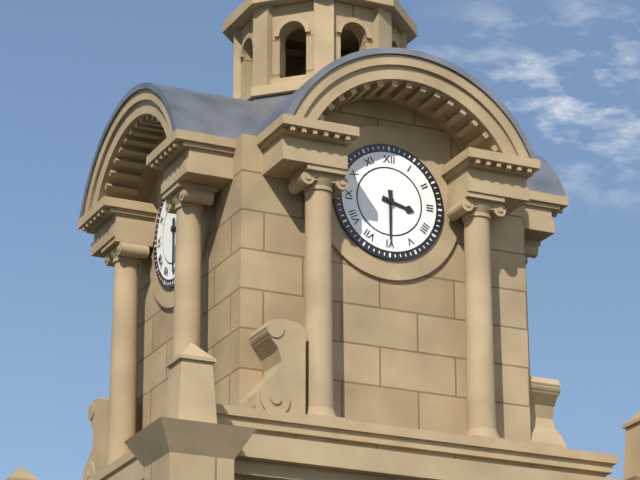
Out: 3:30
